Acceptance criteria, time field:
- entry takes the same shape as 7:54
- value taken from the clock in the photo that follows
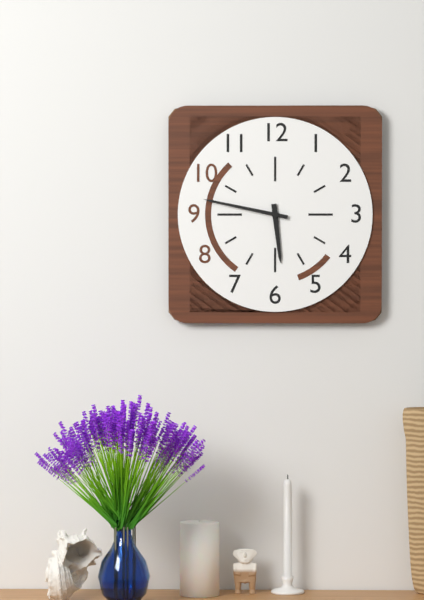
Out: 5:47
